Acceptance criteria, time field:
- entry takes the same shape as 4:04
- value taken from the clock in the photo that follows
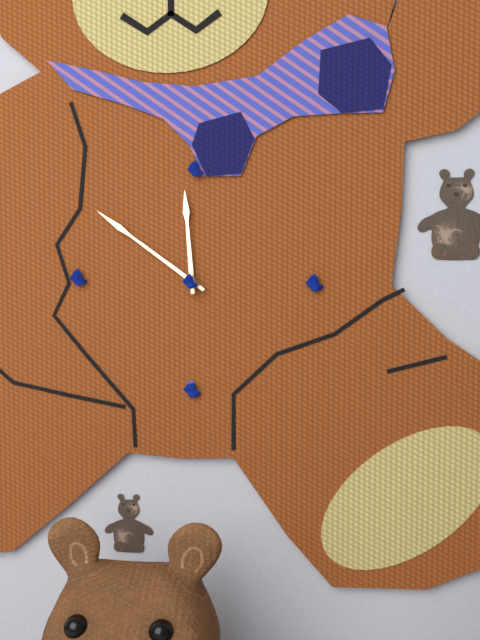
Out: 11:51
